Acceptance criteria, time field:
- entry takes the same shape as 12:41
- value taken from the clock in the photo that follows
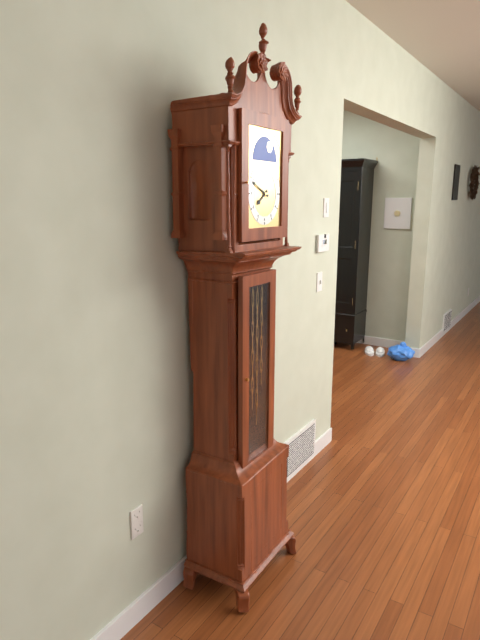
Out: 7:49
